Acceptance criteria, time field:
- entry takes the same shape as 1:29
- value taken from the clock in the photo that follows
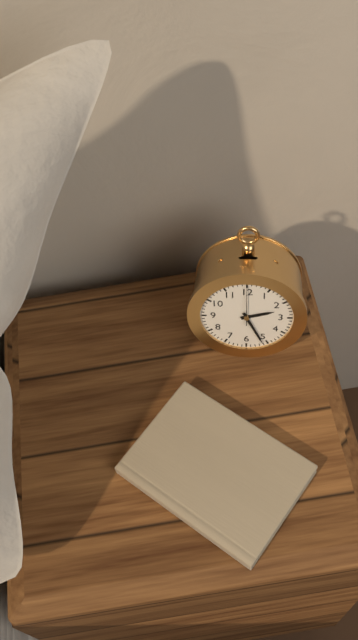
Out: 2:26
